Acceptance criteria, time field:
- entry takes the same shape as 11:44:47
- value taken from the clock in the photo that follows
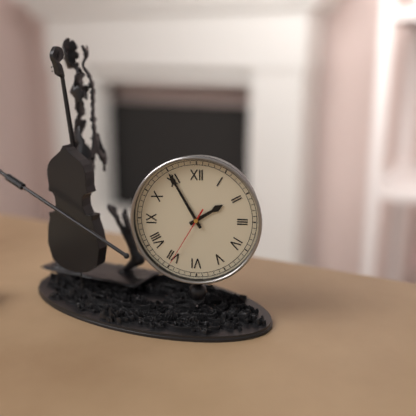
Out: 1:55:35
